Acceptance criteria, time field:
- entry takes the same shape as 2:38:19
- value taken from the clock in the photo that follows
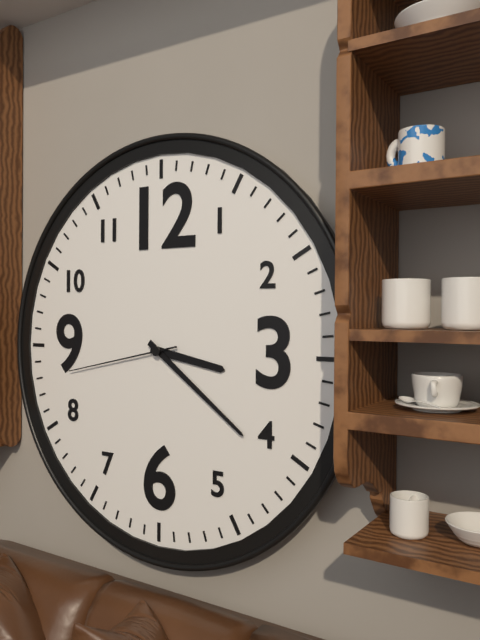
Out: 3:21:43
